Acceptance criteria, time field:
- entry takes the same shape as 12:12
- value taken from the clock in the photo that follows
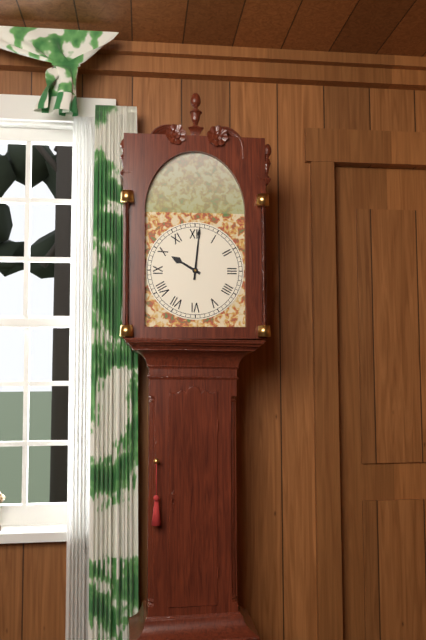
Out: 10:01
